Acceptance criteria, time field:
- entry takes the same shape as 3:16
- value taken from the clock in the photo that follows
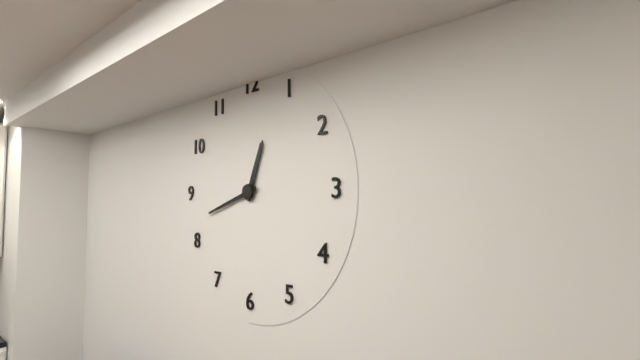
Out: 12:42
